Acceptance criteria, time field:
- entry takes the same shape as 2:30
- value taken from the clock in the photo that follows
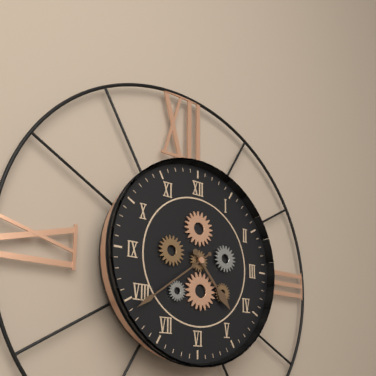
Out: 4:39
